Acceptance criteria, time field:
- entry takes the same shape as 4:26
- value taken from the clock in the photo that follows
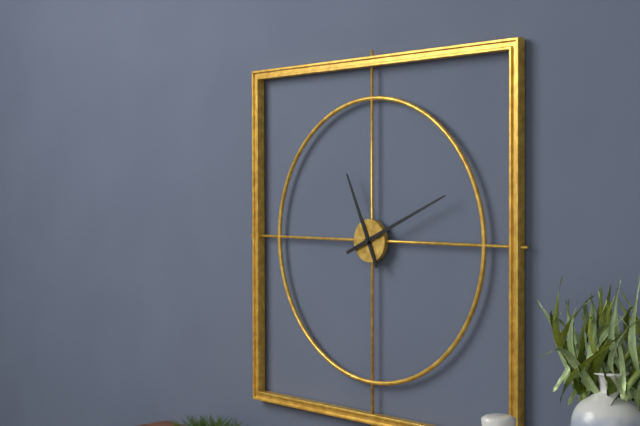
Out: 11:11
